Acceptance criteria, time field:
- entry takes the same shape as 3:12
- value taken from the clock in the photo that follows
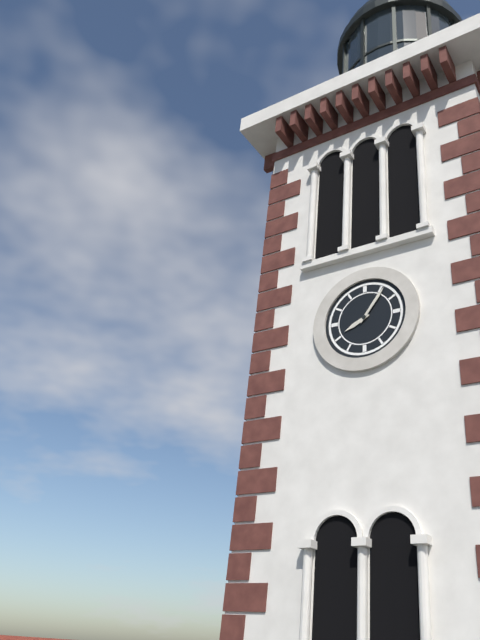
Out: 8:06
